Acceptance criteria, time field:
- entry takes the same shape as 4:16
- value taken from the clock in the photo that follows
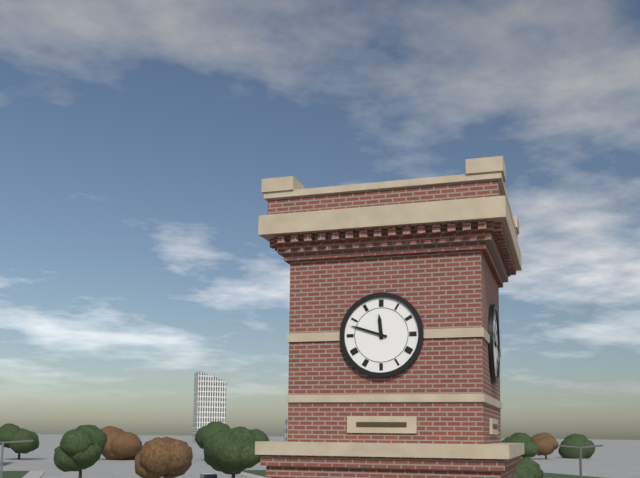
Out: 11:48
